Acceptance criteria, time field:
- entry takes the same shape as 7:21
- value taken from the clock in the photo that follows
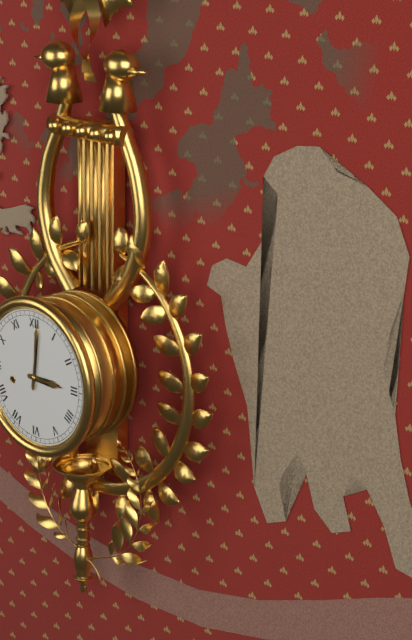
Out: 3:01
